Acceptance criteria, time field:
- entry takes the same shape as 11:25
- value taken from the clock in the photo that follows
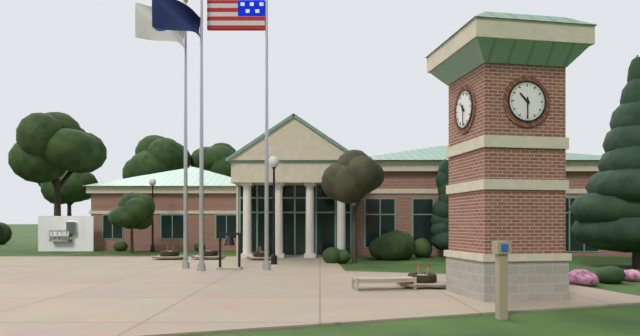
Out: 10:30
